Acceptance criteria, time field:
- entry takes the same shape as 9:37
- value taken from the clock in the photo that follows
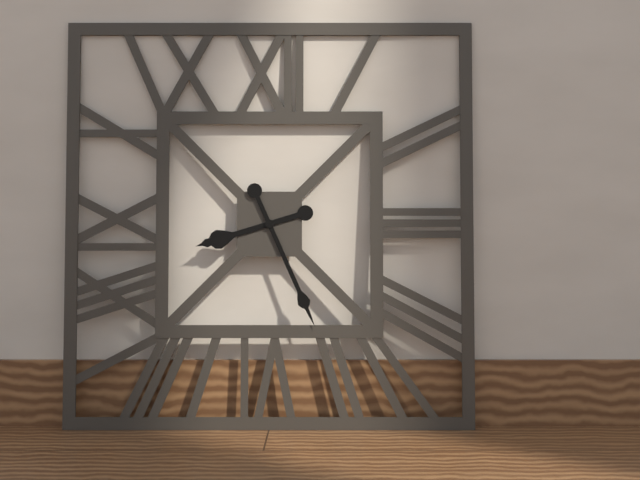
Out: 8:26
